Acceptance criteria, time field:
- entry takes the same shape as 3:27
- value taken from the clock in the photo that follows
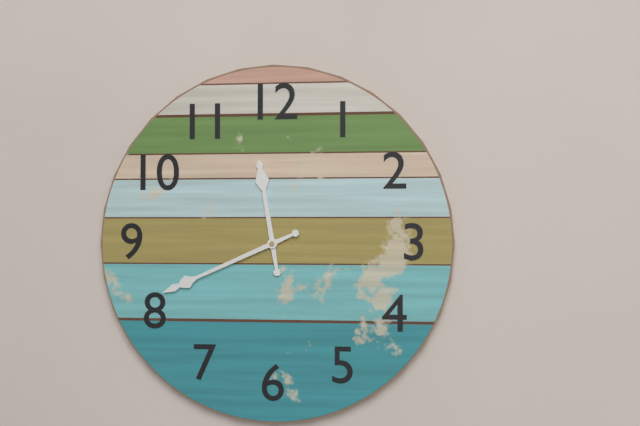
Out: 11:41
